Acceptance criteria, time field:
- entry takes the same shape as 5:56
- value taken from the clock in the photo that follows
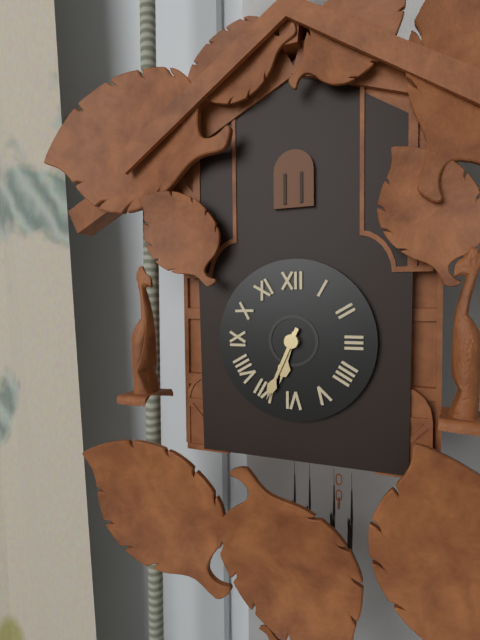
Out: 6:34
